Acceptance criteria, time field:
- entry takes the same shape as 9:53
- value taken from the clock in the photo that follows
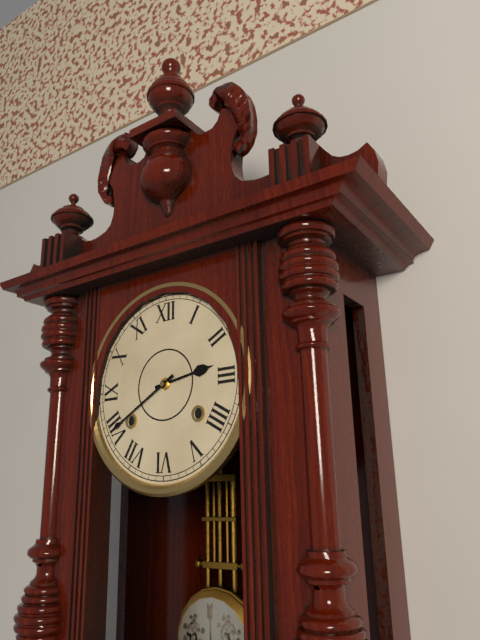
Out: 2:40
